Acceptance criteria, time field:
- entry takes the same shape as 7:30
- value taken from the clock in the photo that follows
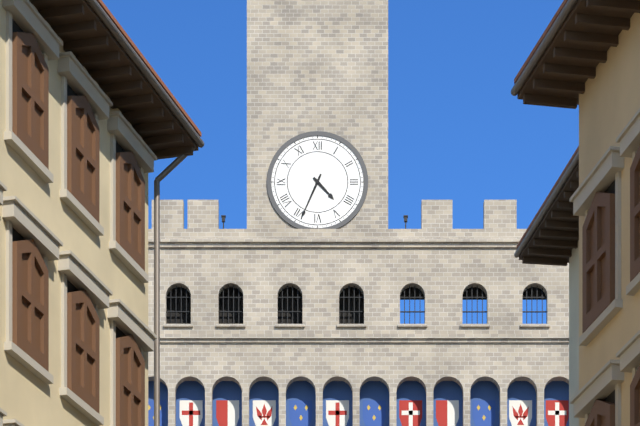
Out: 4:34
